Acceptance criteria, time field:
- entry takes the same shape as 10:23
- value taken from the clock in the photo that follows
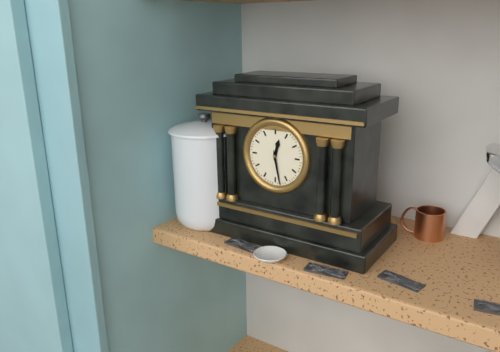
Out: 12:28
